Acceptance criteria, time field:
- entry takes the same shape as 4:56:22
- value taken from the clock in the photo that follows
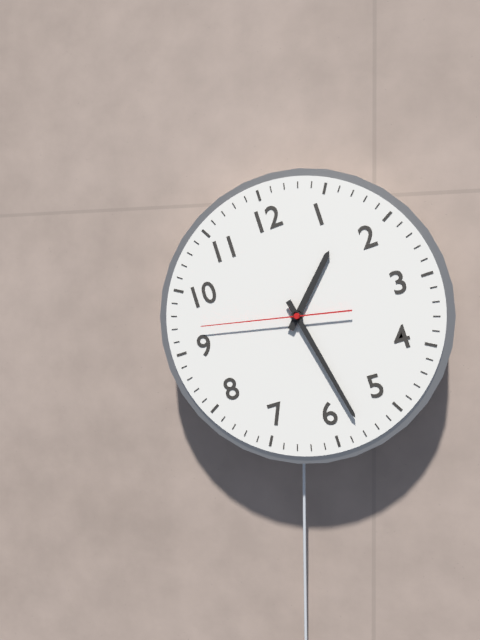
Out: 1:28:47
